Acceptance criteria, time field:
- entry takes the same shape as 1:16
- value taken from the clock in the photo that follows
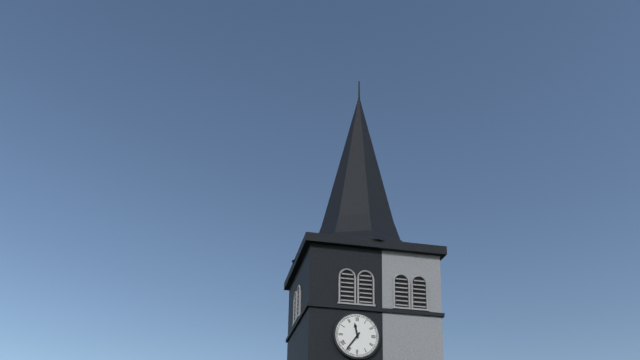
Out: 11:36
